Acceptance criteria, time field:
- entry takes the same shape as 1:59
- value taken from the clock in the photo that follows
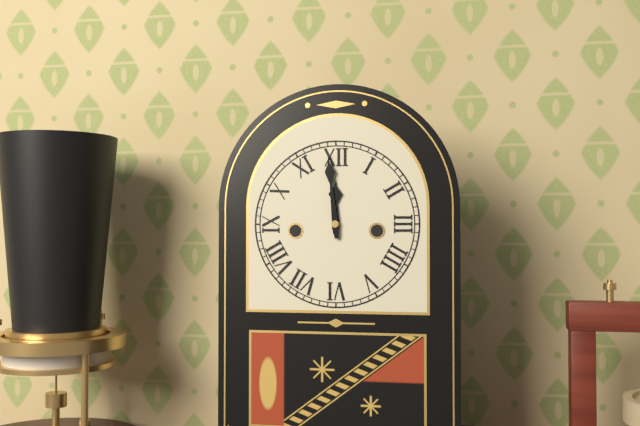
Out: 11:59
